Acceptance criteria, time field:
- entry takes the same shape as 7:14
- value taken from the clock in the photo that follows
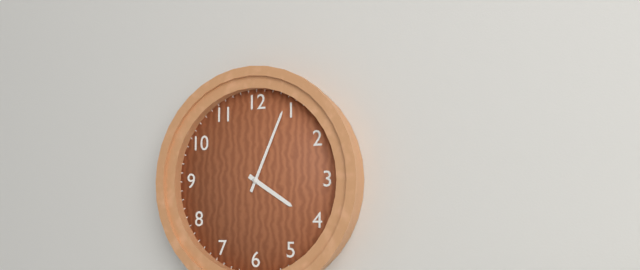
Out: 4:04
